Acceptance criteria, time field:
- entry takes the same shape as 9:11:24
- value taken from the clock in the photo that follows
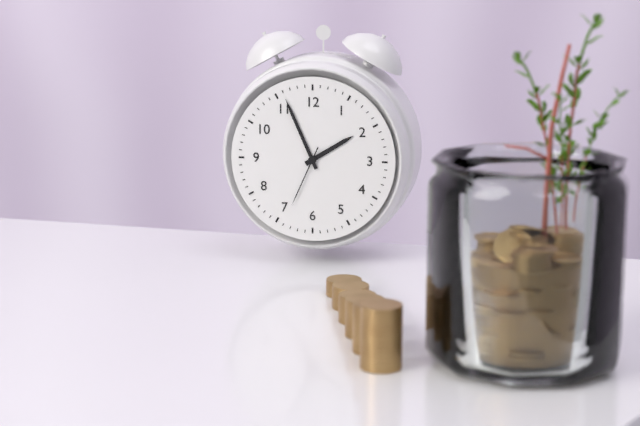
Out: 1:56:34
